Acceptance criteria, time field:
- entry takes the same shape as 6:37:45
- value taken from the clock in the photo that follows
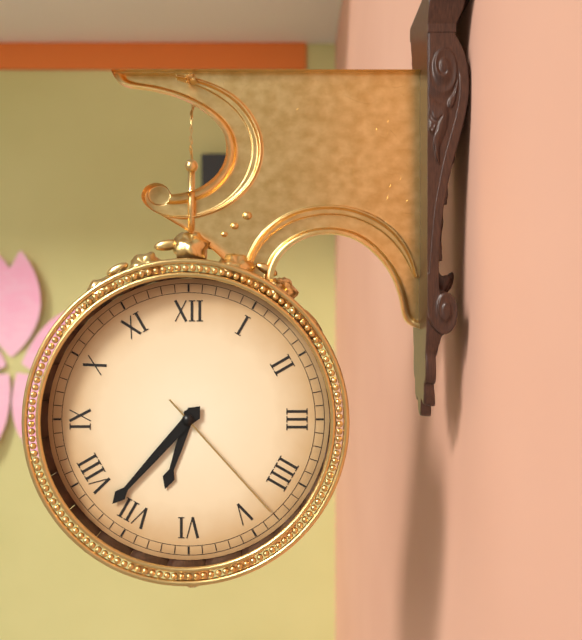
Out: 6:37:23
